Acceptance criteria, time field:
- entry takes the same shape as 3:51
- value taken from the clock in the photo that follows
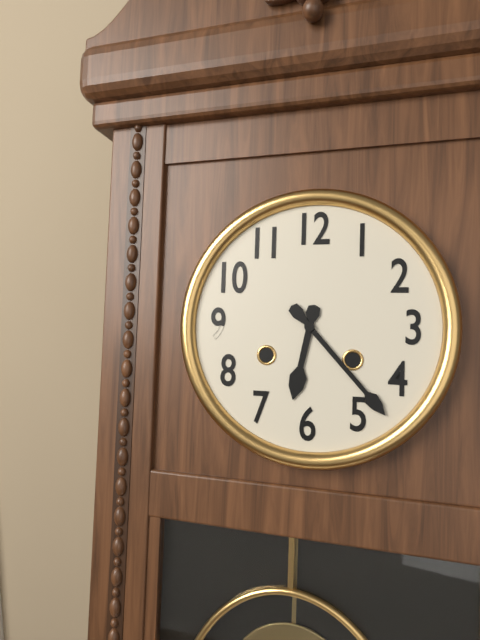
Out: 6:23
